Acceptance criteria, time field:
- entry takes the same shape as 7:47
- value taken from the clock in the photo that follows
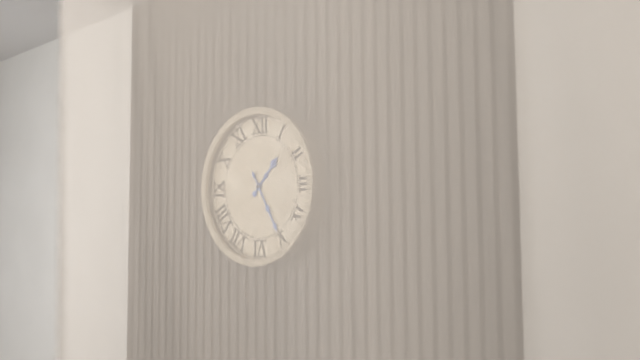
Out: 1:25
